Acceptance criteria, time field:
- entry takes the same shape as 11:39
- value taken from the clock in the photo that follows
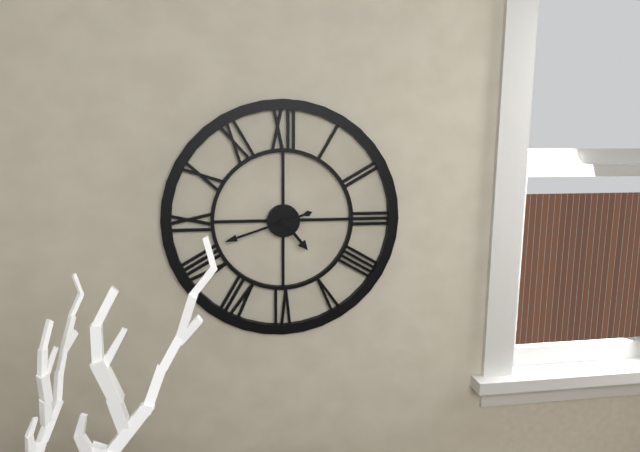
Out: 4:42
